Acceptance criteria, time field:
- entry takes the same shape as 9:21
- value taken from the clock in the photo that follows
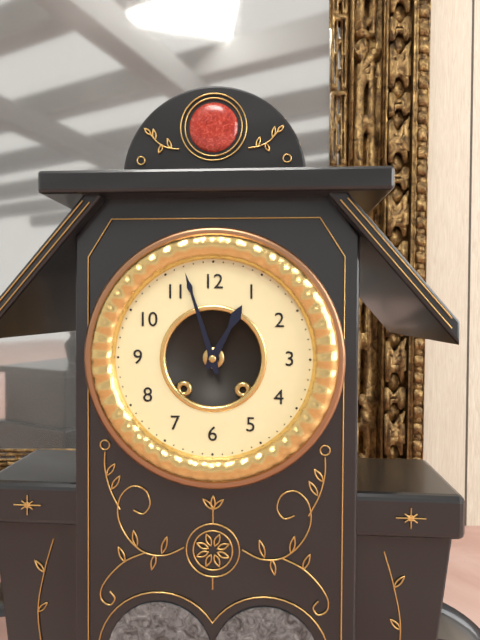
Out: 12:57
